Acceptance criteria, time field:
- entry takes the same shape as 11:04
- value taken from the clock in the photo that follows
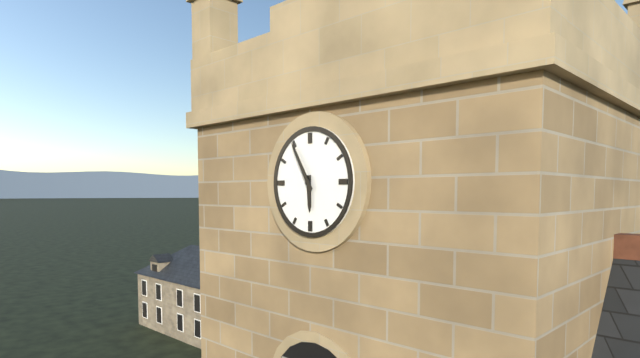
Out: 5:55
